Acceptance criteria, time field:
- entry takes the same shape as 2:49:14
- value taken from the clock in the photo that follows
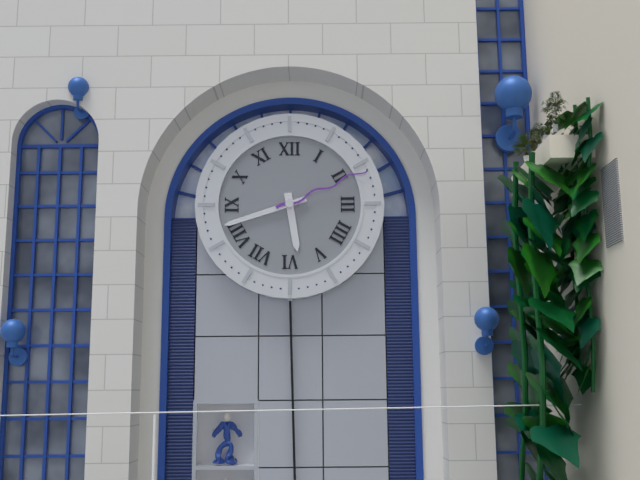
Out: 5:42:11
